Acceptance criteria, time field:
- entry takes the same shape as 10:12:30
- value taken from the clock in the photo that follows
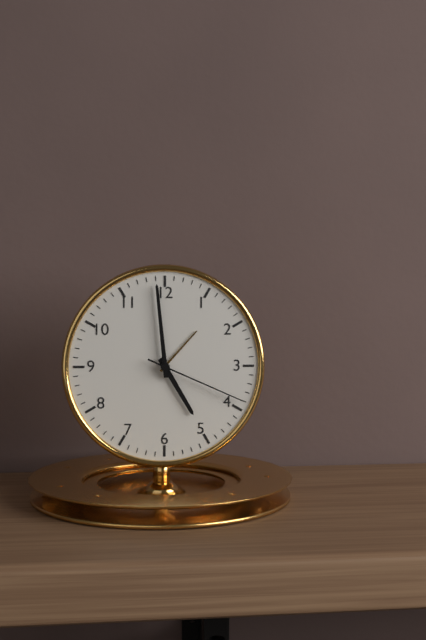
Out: 4:59:19
